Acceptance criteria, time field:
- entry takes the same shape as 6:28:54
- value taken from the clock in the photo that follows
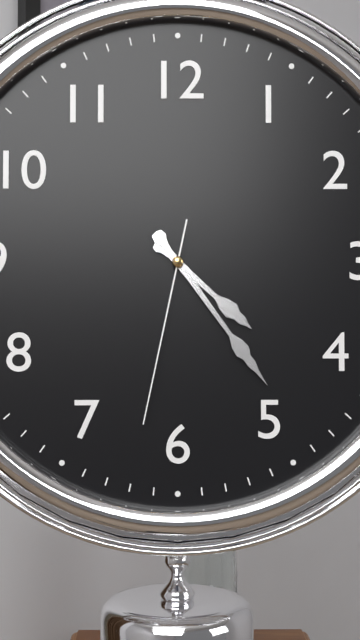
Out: 4:24:32
